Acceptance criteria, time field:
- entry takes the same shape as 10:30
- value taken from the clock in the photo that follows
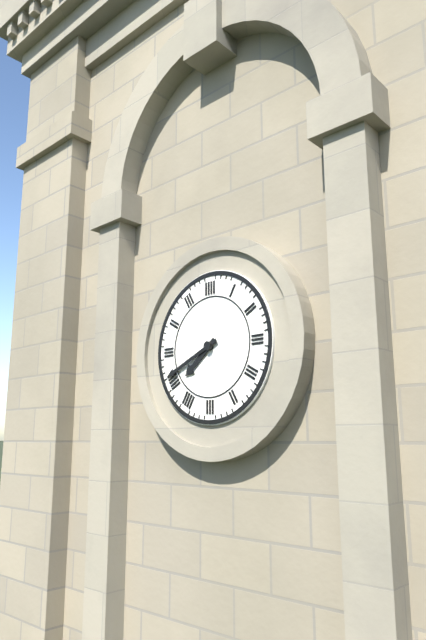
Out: 7:41
